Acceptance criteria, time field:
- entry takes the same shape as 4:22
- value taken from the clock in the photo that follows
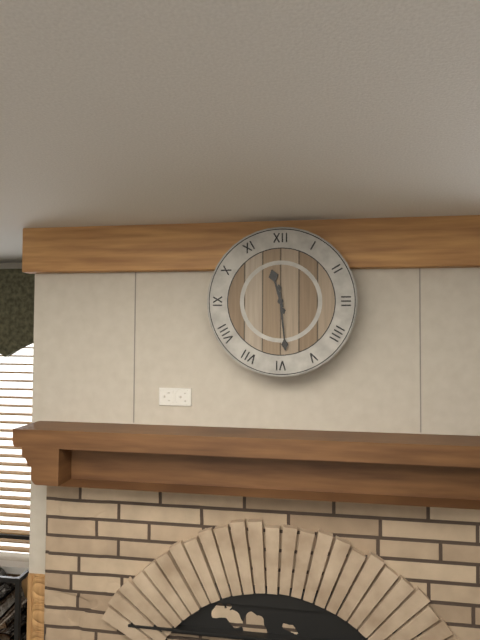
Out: 11:29
